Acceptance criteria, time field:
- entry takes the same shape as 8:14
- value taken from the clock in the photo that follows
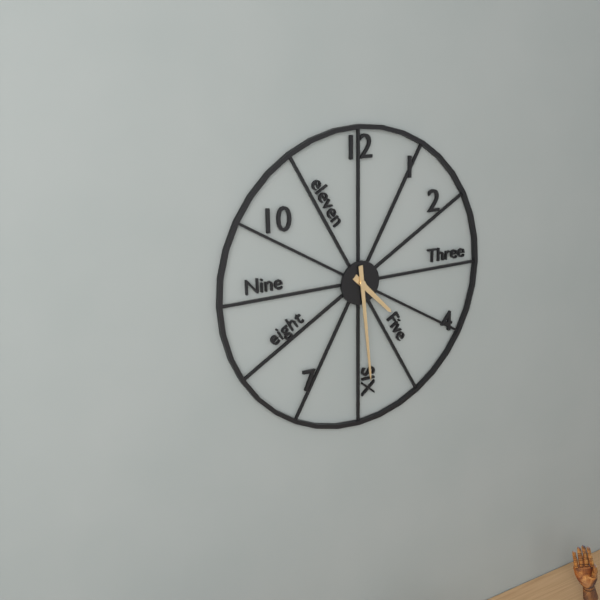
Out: 4:29
